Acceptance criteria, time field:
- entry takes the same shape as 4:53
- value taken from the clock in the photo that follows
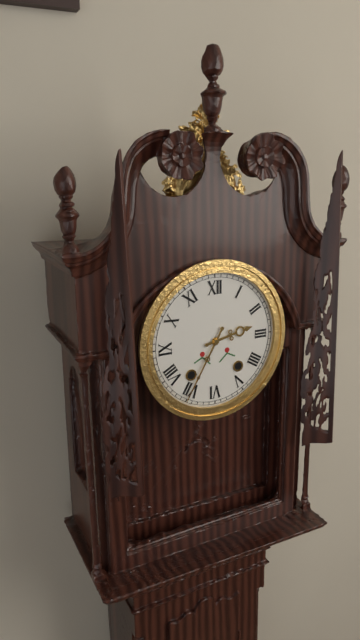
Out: 2:35
